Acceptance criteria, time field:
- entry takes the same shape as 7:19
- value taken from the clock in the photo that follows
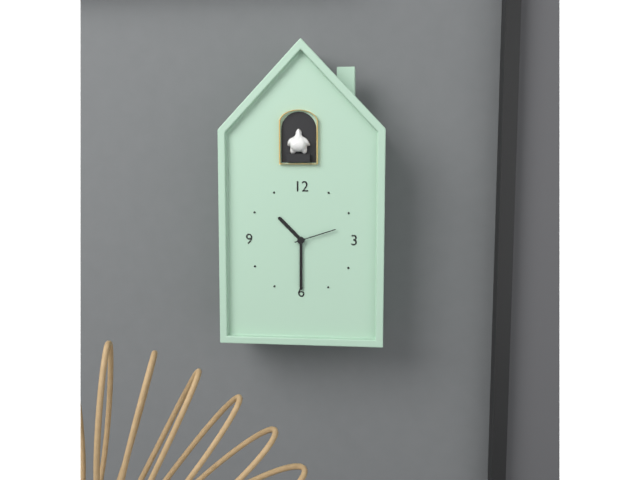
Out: 10:30
